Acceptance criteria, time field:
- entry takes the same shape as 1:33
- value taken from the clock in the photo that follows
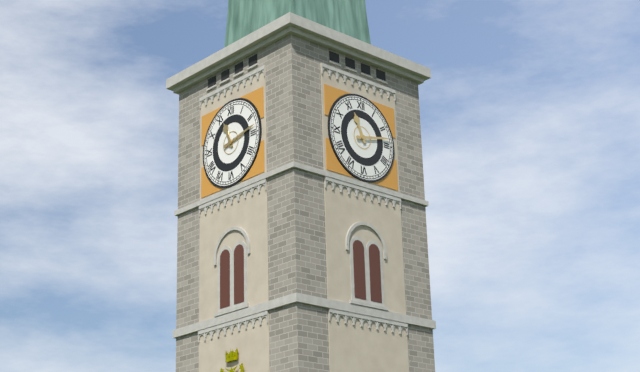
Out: 11:13
